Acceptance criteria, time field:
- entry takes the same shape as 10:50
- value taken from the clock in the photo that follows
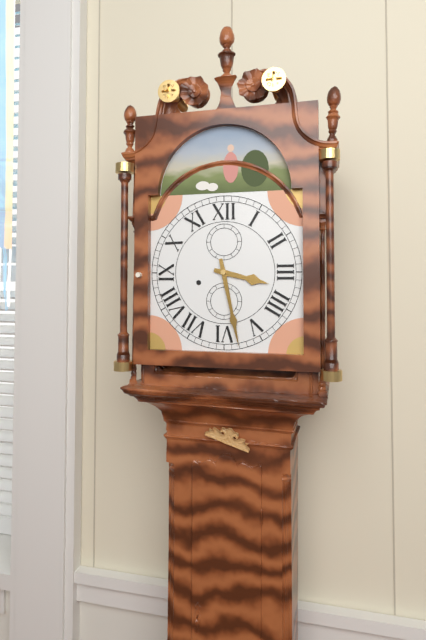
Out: 3:28
